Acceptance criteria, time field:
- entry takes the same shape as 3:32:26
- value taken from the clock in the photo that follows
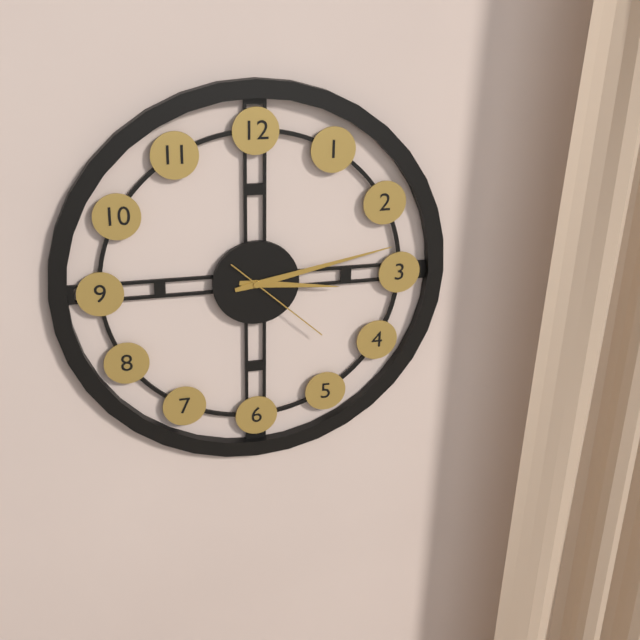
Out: 3:13:22
